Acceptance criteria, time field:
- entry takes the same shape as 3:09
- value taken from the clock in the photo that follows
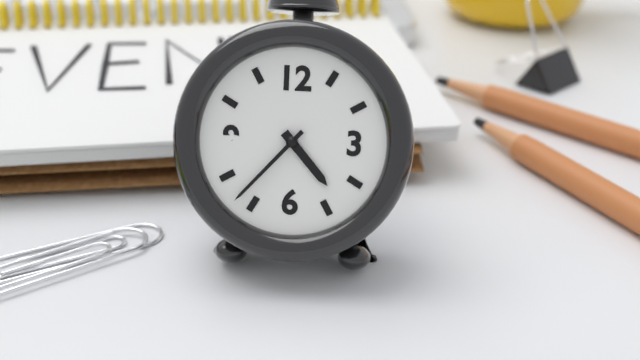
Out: 4:37
